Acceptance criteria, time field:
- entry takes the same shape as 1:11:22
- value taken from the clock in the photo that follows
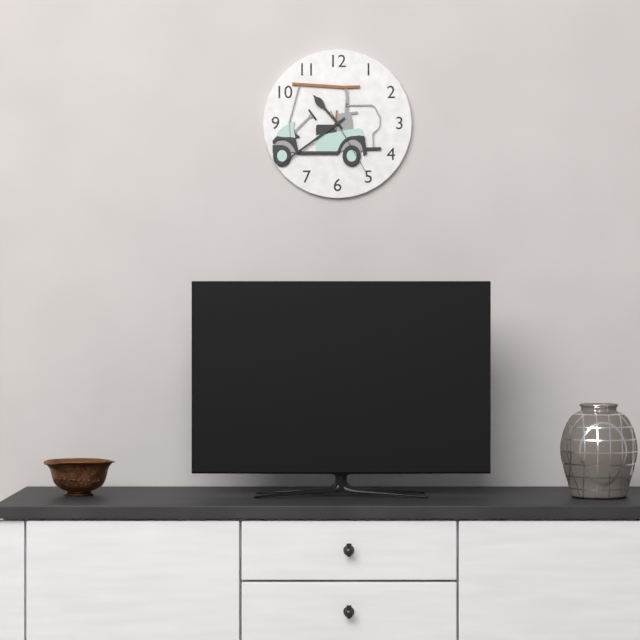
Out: 10:39:25
